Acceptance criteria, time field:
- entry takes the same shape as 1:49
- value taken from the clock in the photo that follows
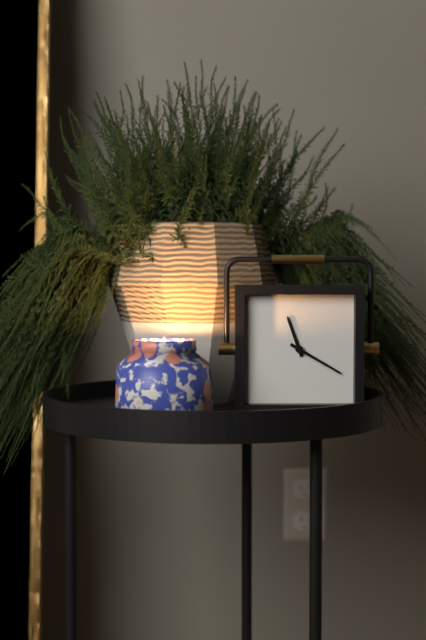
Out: 11:20
